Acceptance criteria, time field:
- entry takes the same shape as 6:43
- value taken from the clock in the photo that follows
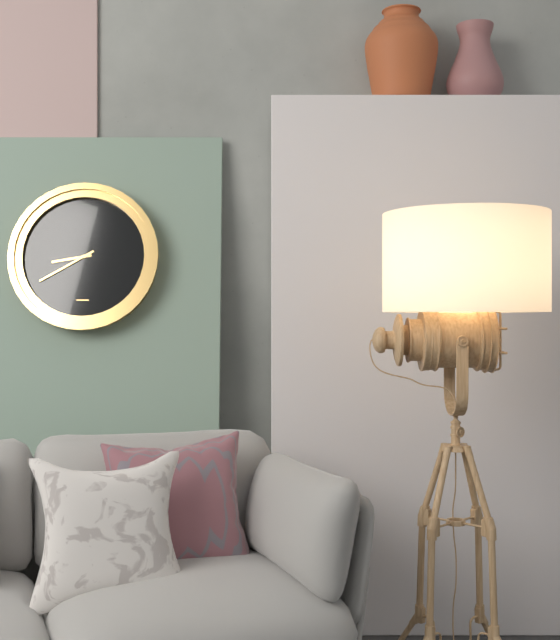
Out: 8:40
